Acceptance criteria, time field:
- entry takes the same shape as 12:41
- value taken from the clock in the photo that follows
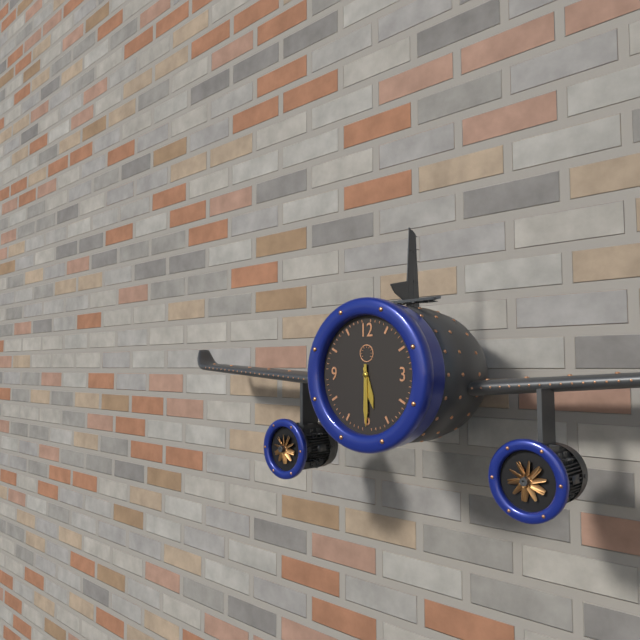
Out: 5:30
